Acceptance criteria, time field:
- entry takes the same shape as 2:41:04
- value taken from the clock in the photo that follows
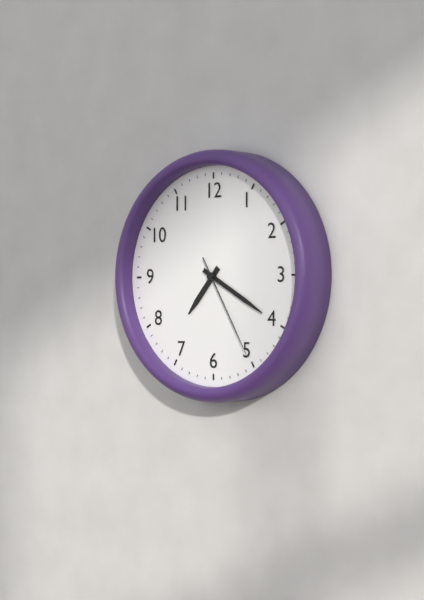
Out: 7:20:25
